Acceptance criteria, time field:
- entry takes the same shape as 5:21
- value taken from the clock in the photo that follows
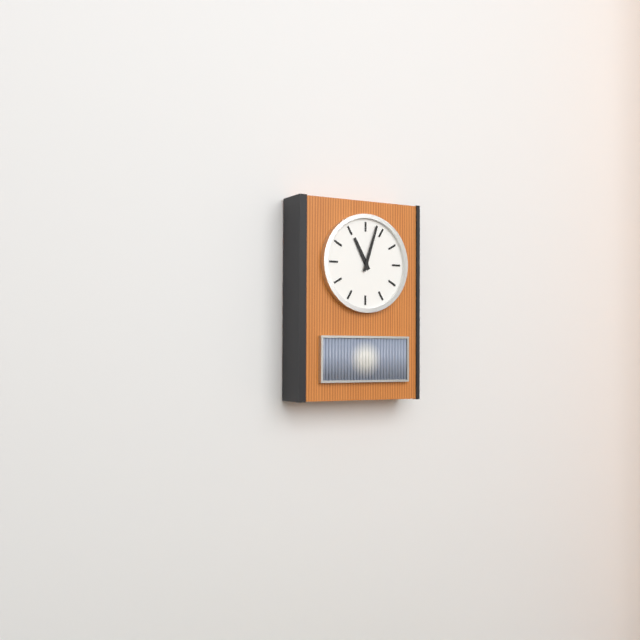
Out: 11:03
